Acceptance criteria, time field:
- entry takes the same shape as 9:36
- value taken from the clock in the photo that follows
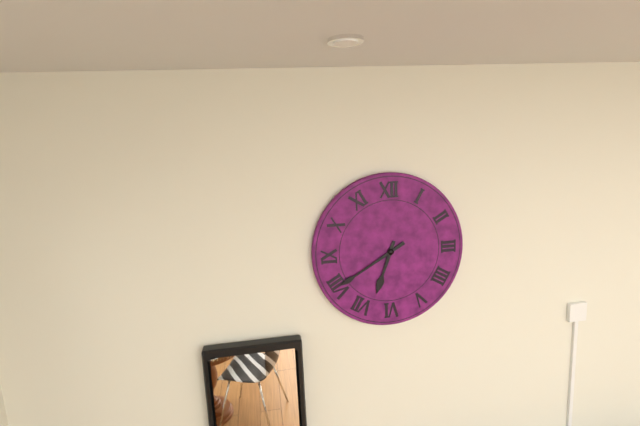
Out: 6:40
